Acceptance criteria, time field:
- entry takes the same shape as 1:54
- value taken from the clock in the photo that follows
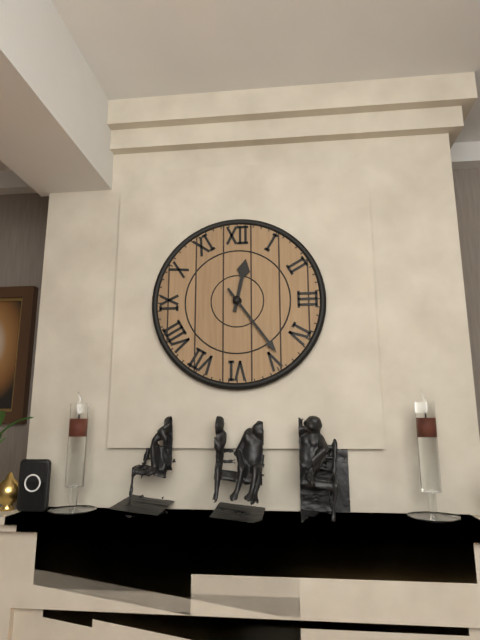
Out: 12:24
